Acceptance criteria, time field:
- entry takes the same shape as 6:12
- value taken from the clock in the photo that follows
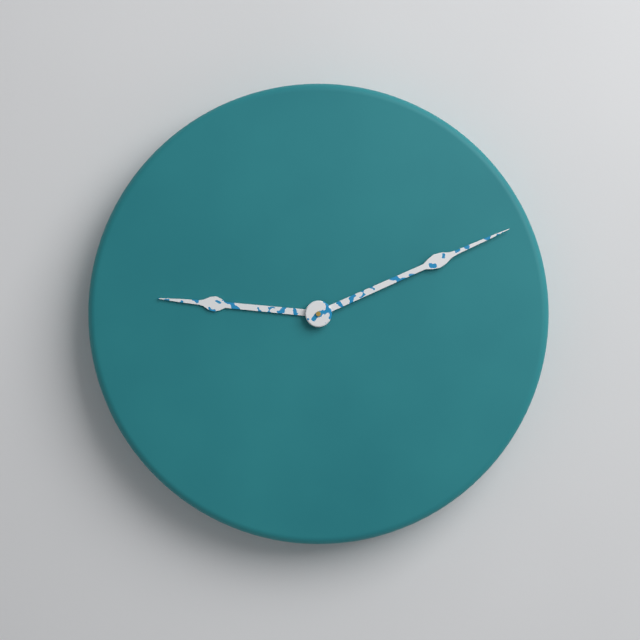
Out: 9:11
